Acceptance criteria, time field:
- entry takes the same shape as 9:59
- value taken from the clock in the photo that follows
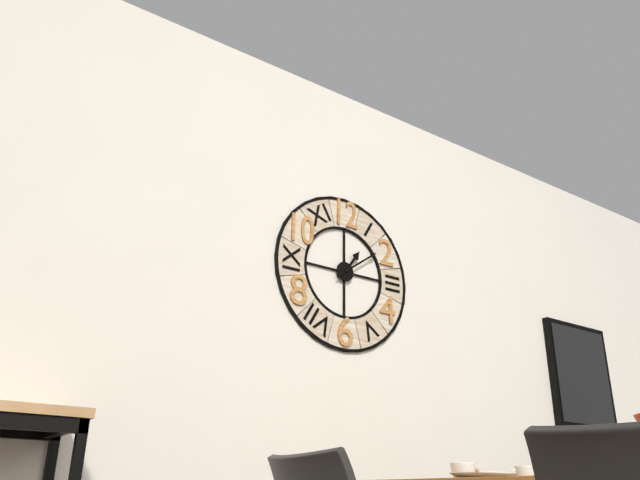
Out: 1:09
